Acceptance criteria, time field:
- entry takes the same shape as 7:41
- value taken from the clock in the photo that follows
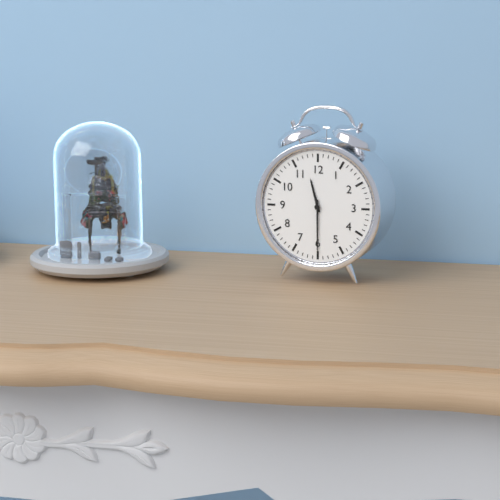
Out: 11:30
